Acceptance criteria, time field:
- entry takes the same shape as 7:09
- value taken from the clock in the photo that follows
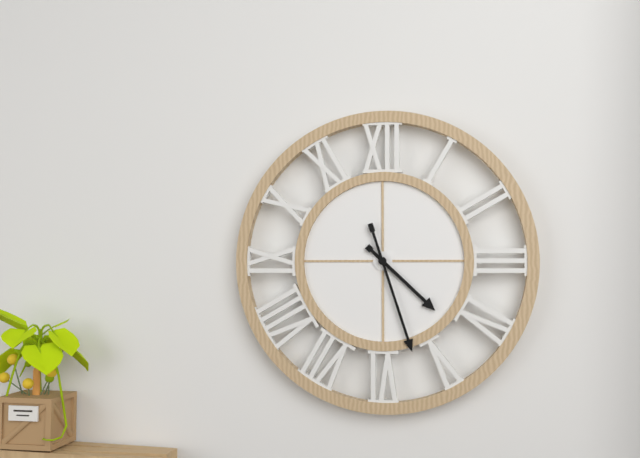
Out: 4:27
